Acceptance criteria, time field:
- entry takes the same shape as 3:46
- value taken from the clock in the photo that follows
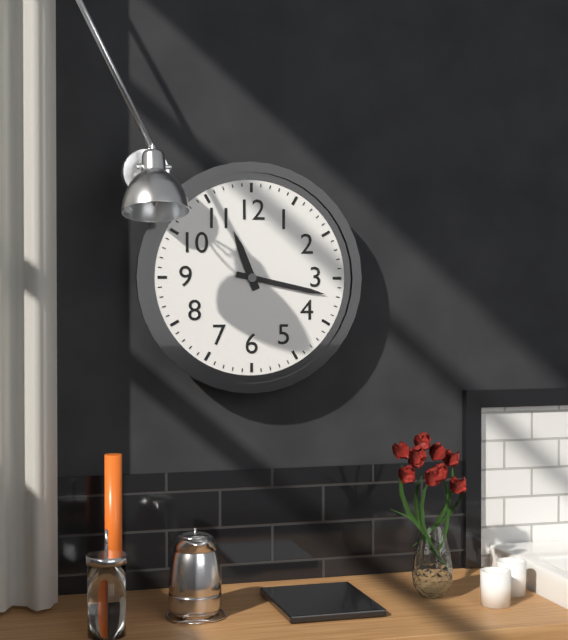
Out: 11:17
